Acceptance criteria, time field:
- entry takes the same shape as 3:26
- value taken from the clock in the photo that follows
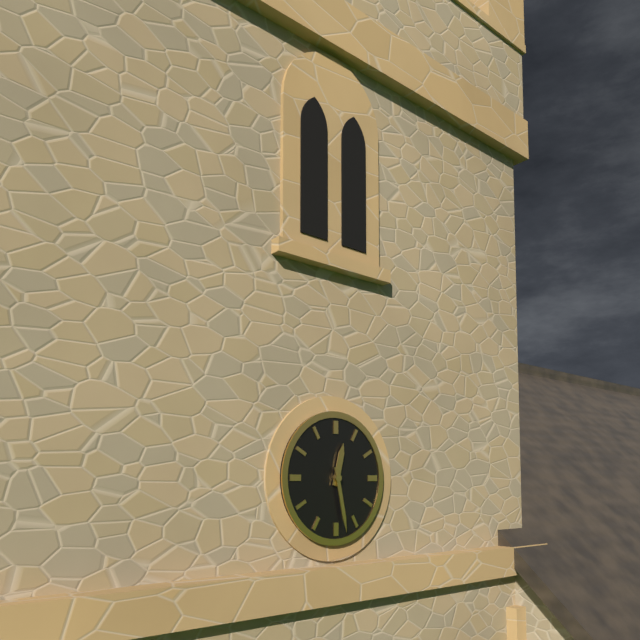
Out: 12:28
